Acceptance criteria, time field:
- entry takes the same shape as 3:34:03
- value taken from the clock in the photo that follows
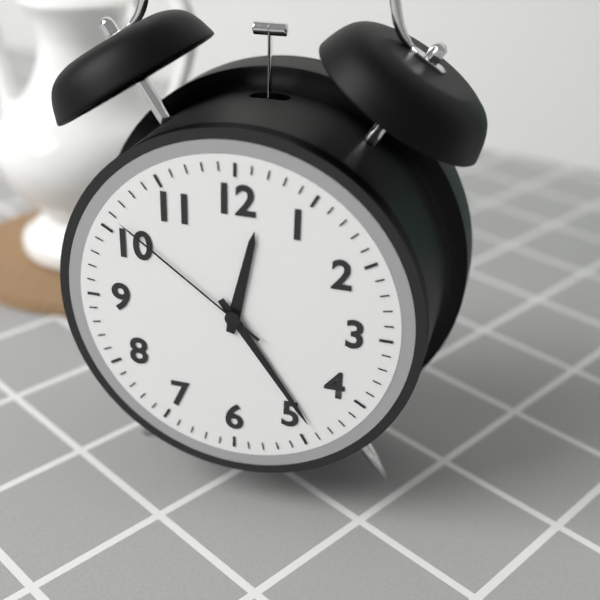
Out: 12:24:51
